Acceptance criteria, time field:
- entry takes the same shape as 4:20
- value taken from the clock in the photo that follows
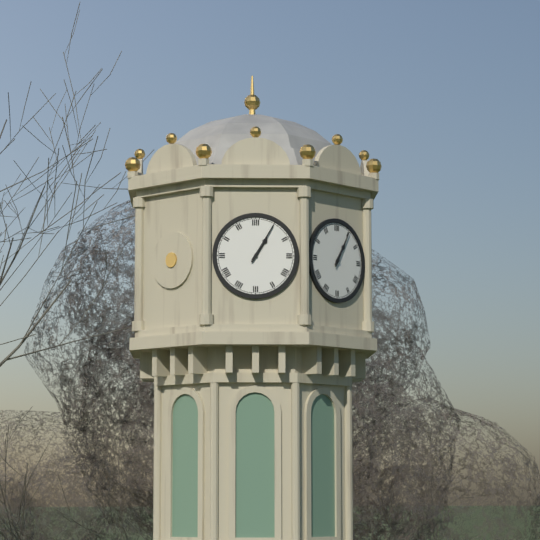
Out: 1:05
